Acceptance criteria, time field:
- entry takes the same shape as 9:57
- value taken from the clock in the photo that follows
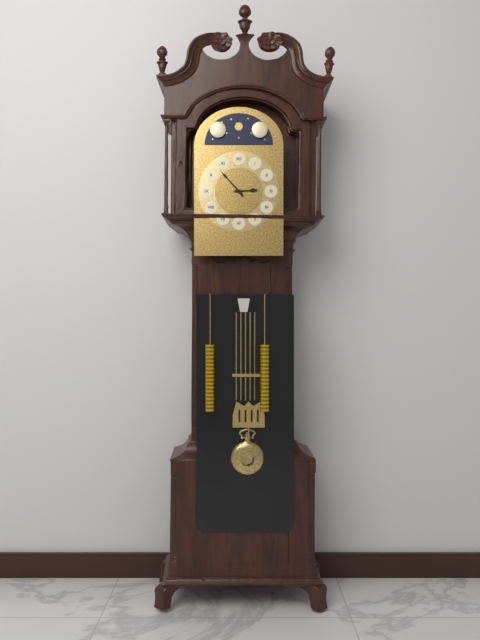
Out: 2:53
